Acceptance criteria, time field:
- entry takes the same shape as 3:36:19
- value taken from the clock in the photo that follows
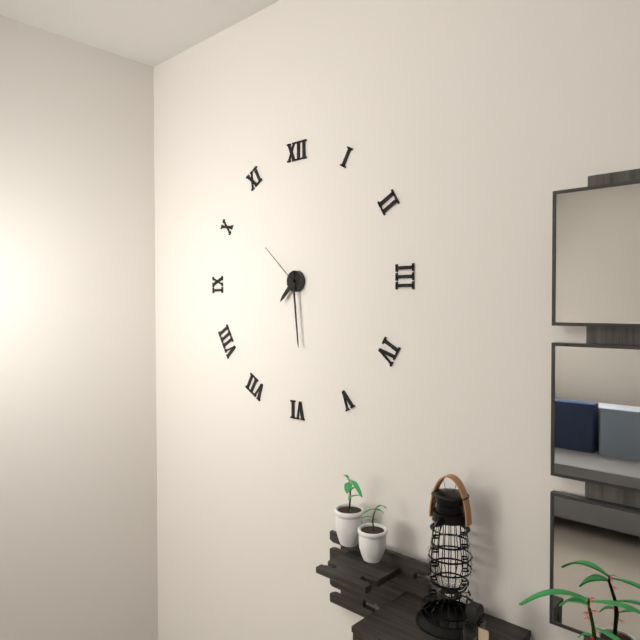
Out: 7:29:52
